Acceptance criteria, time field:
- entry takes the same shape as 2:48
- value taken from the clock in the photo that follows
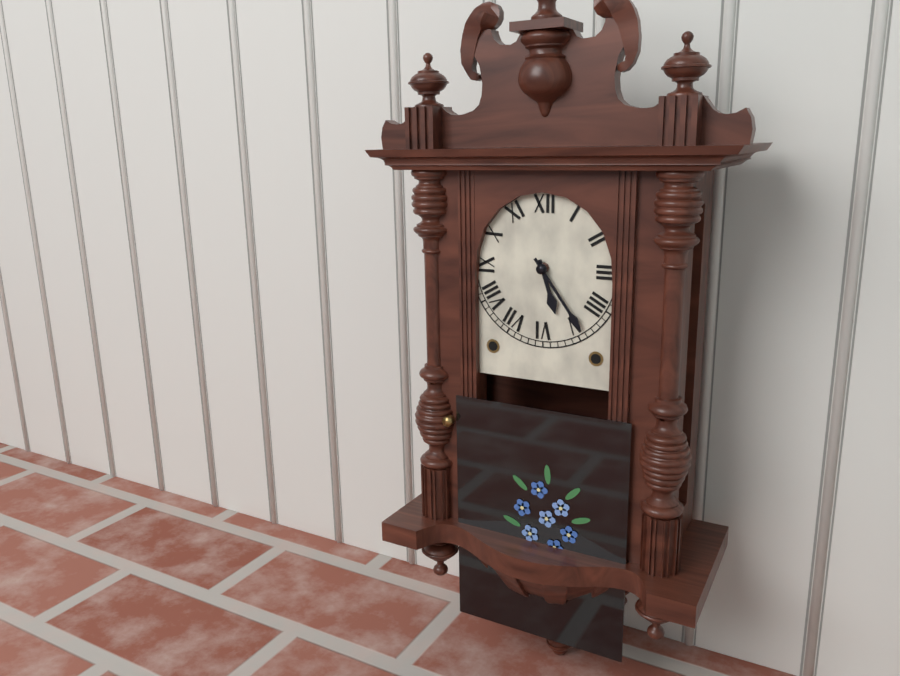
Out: 5:24
